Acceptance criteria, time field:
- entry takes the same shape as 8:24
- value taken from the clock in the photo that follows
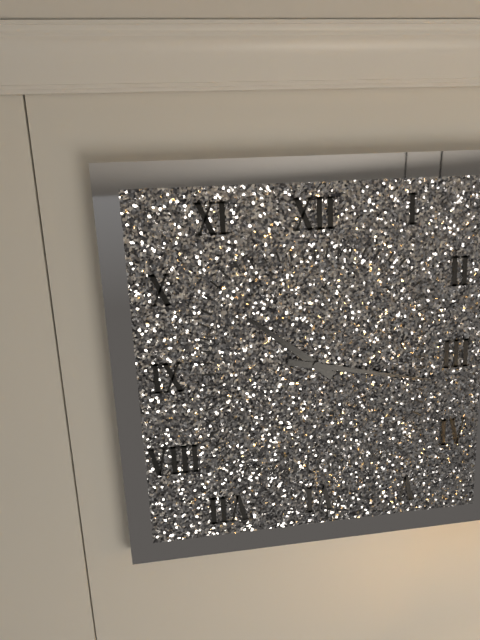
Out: 10:17
